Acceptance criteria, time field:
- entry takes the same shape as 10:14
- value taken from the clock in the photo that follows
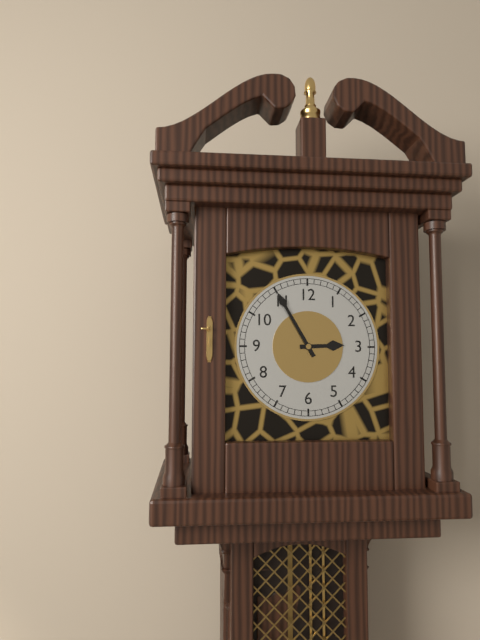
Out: 2:55
